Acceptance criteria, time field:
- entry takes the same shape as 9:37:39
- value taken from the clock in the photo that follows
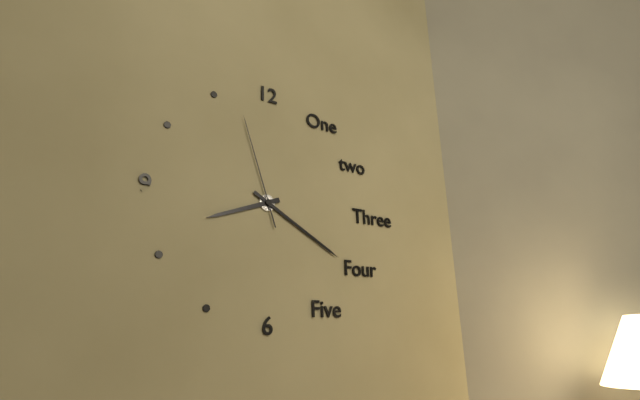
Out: 8:20:57
